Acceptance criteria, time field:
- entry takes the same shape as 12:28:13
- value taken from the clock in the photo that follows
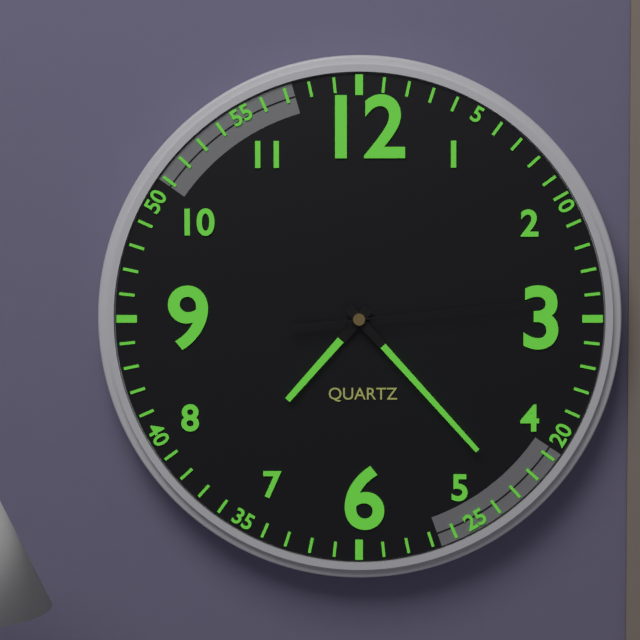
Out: 7:23:14
